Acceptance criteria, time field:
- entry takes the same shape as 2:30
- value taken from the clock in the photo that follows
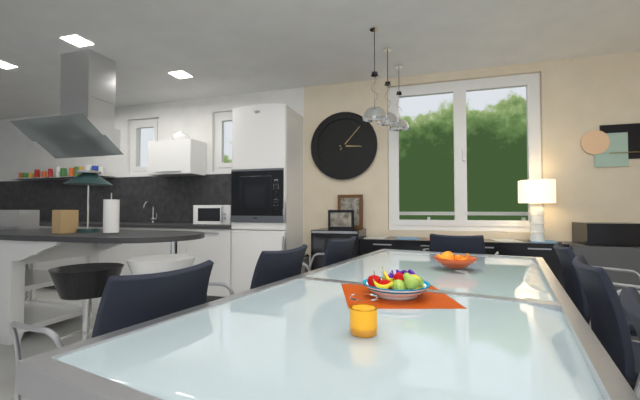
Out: 3:07
